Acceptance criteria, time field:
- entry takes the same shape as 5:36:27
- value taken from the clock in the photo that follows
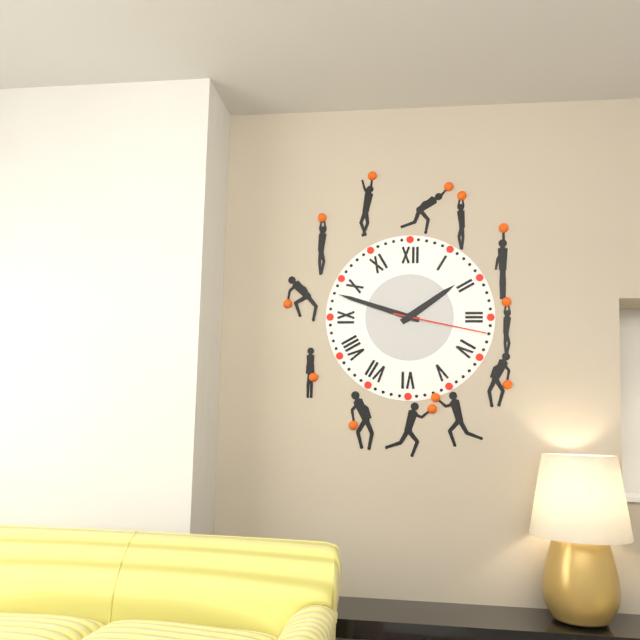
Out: 1:48:17
